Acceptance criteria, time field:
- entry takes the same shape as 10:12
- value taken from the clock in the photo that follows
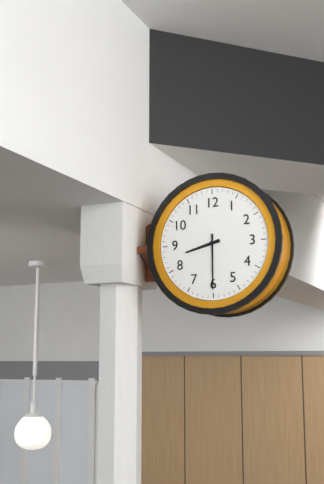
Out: 8:30
